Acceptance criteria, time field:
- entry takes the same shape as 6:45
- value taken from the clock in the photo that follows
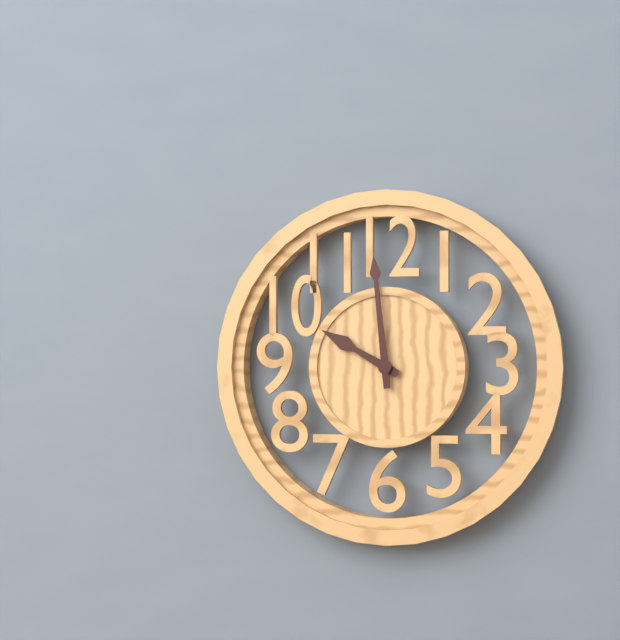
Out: 9:59
